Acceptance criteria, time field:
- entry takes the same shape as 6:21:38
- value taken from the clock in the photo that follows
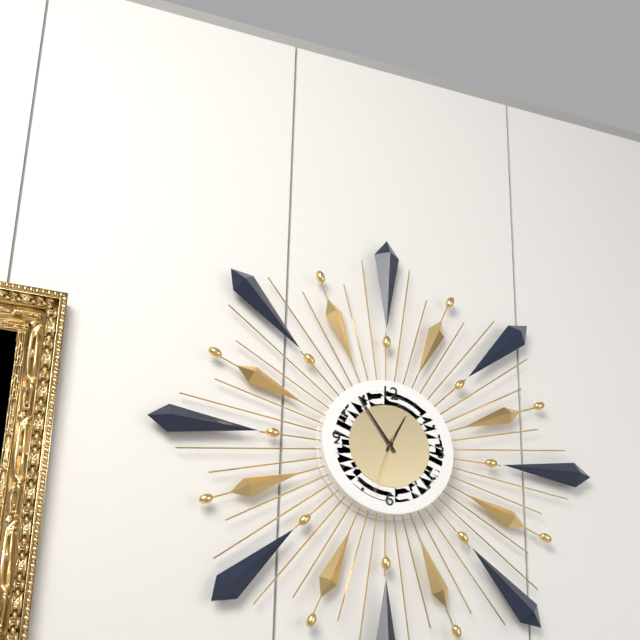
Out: 12:54:33
